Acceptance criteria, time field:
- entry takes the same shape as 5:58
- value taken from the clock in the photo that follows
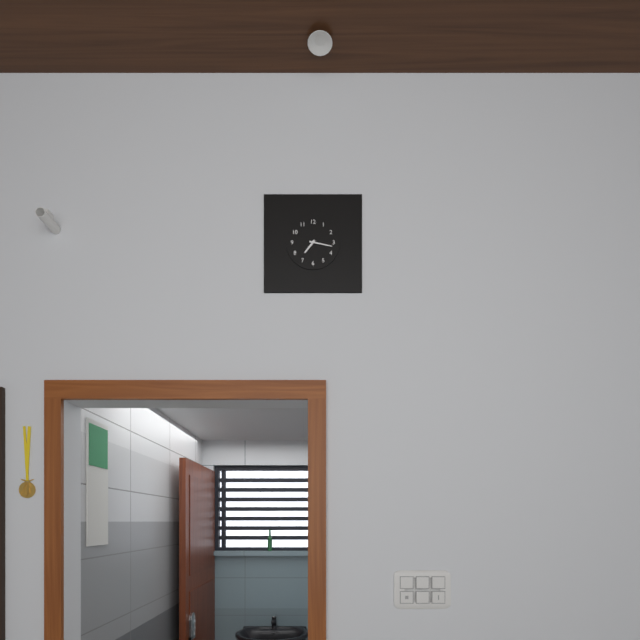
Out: 7:17
